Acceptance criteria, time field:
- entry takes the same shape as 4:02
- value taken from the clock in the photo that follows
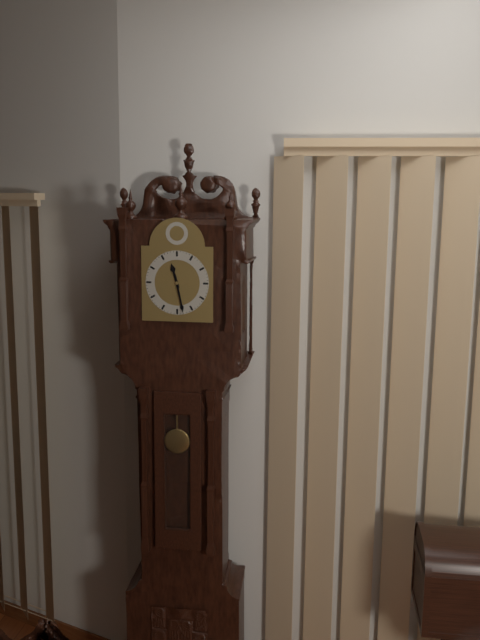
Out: 11:28
